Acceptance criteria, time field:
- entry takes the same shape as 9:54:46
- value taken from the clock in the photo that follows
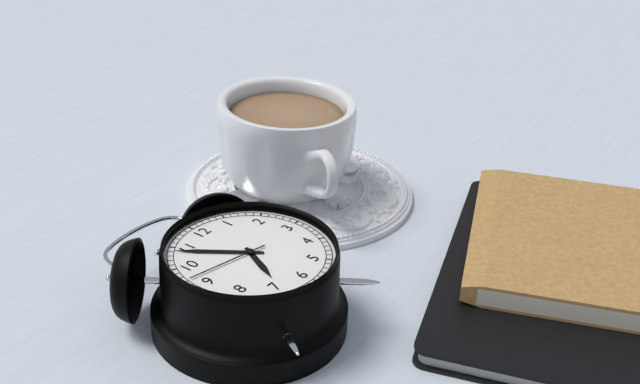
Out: 6:54:47
